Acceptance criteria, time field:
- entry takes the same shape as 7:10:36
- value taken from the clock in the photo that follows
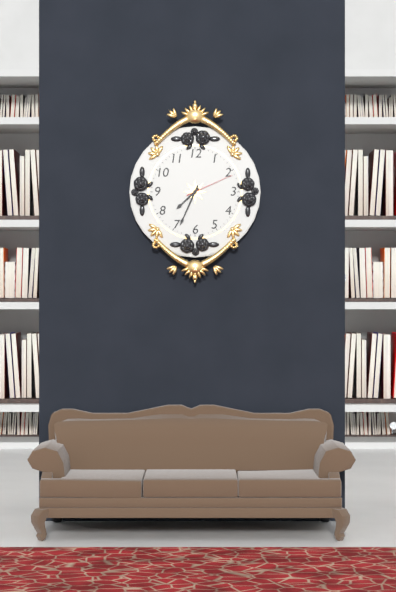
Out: 7:34:11
